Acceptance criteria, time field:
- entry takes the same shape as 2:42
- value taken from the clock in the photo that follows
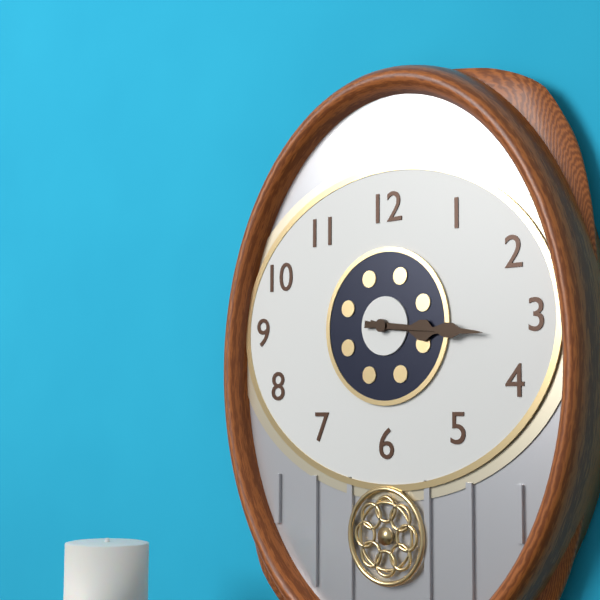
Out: 3:16
